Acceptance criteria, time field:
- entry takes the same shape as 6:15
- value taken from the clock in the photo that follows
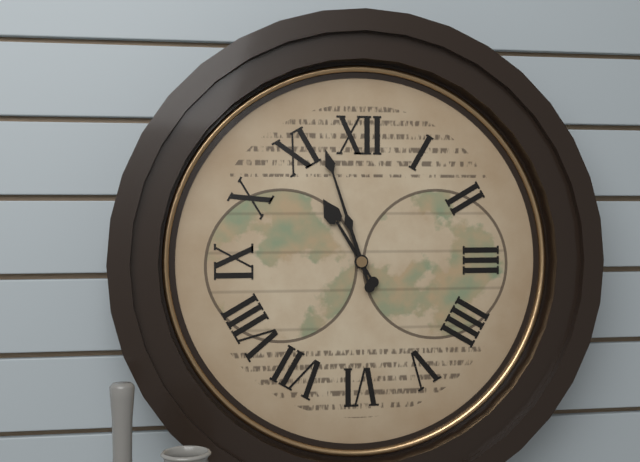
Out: 10:57
